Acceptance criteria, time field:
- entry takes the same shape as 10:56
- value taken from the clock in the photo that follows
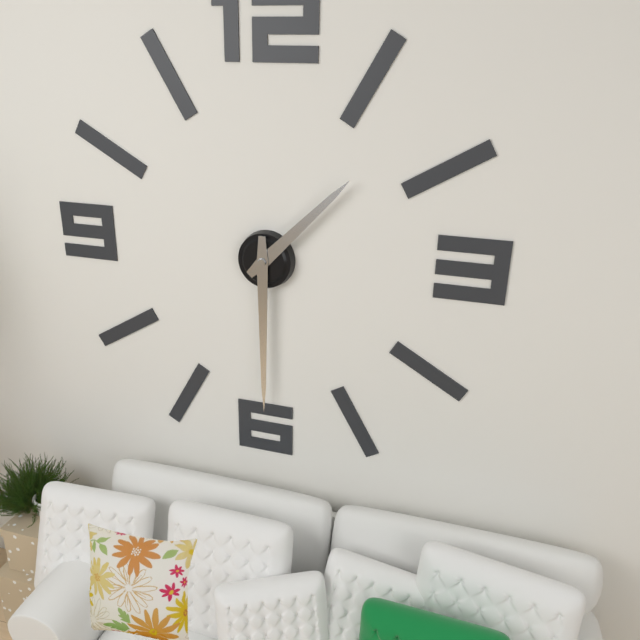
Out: 1:30
